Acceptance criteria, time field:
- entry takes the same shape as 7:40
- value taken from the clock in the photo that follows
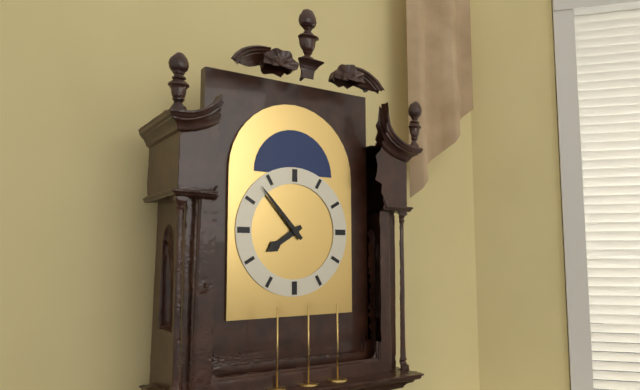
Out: 7:53
